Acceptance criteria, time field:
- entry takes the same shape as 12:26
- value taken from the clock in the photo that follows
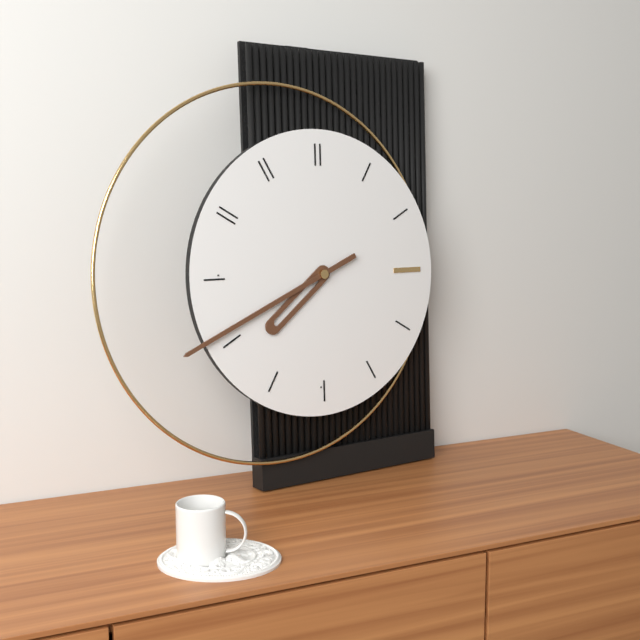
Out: 7:41
